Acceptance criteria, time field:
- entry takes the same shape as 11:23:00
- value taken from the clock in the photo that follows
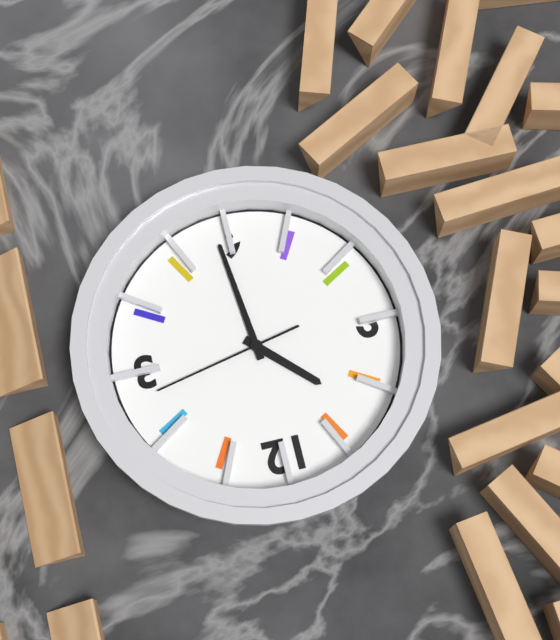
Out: 10:29:13
